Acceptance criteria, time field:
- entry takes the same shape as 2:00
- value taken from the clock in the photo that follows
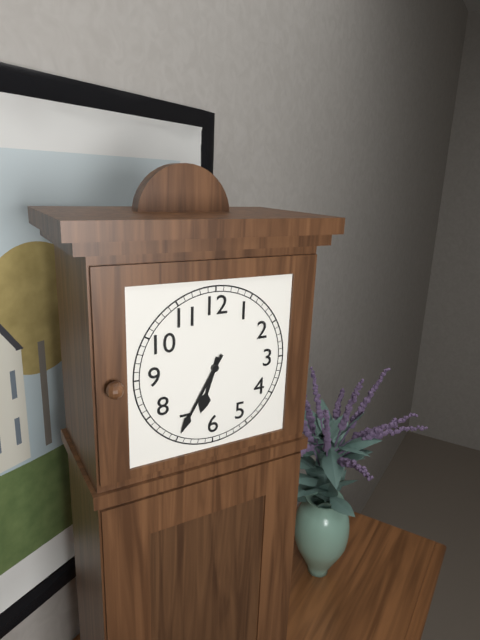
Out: 6:35
